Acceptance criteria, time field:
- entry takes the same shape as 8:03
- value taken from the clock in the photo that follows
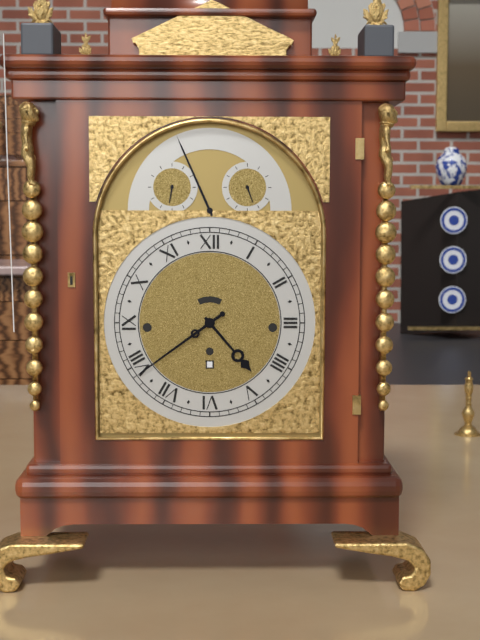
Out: 4:39
